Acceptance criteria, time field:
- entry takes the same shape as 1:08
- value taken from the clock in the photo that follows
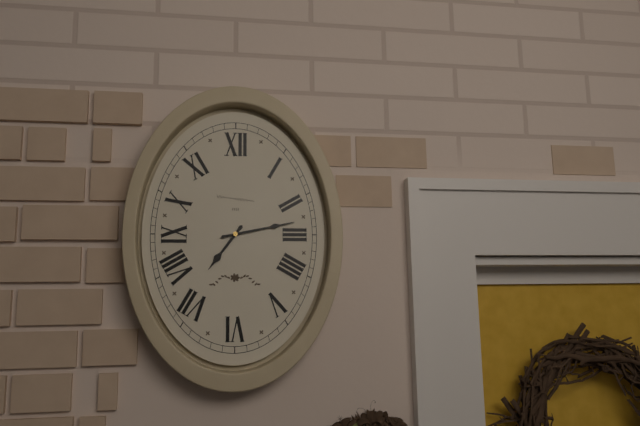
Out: 7:13
